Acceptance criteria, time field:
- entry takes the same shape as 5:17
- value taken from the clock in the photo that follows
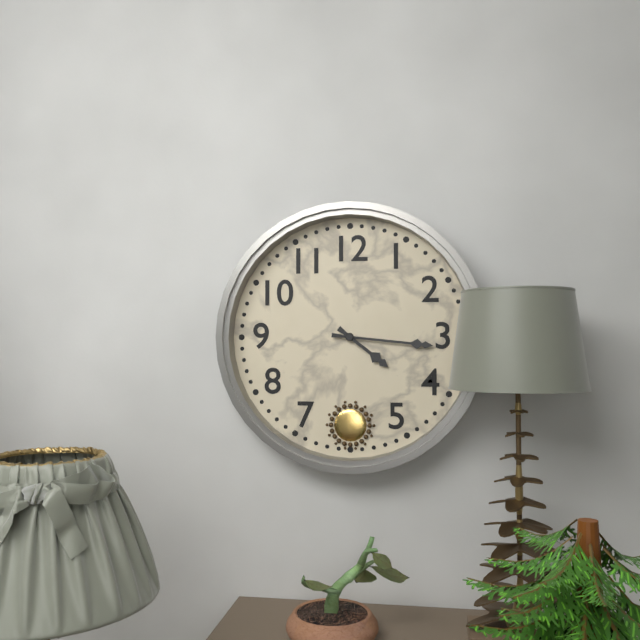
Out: 4:16
